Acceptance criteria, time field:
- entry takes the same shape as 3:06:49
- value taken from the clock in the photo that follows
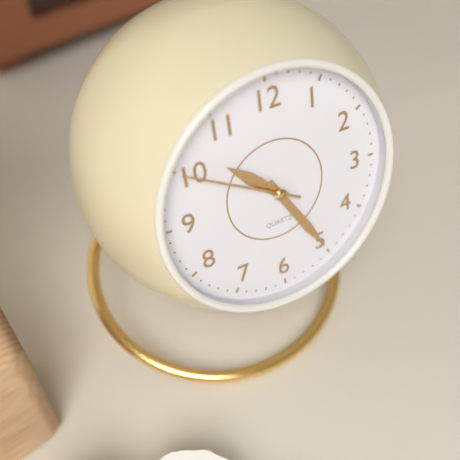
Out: 10:25:50
